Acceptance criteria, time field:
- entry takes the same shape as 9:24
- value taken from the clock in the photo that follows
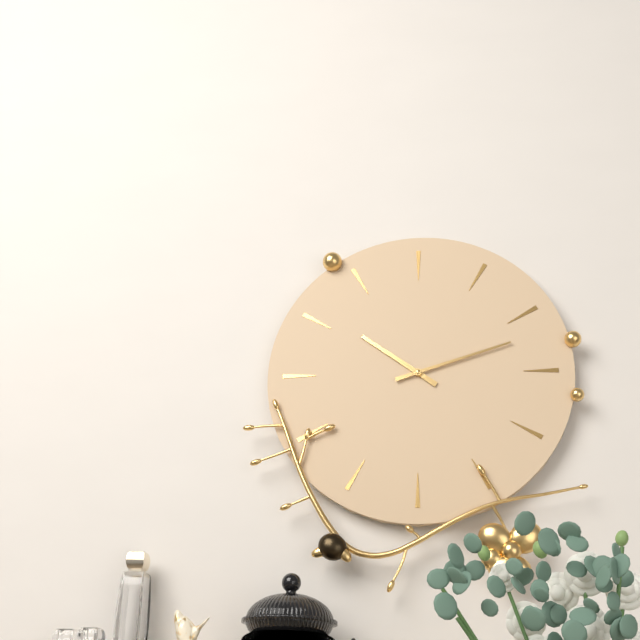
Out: 10:12
